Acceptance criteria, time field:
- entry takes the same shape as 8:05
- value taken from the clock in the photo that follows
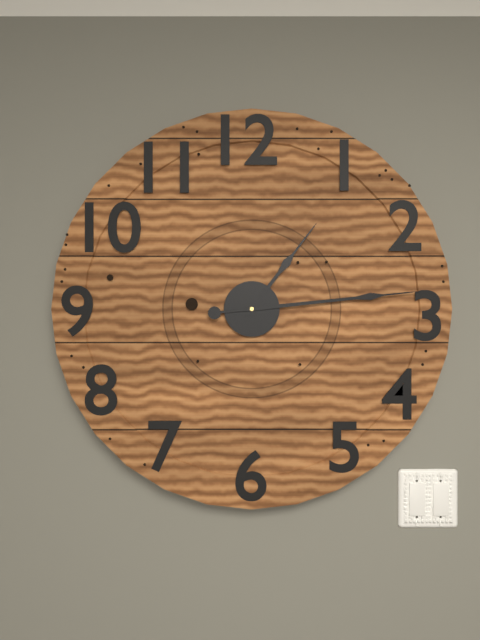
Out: 1:14
